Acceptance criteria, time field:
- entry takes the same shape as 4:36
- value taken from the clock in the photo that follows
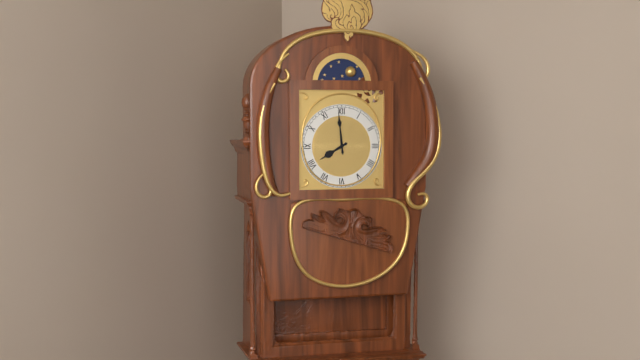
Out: 7:59
